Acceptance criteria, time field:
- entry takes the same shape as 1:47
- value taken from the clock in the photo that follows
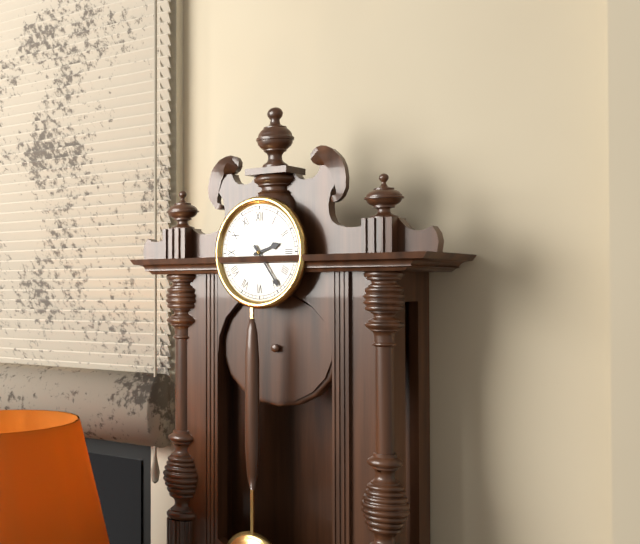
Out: 2:24
